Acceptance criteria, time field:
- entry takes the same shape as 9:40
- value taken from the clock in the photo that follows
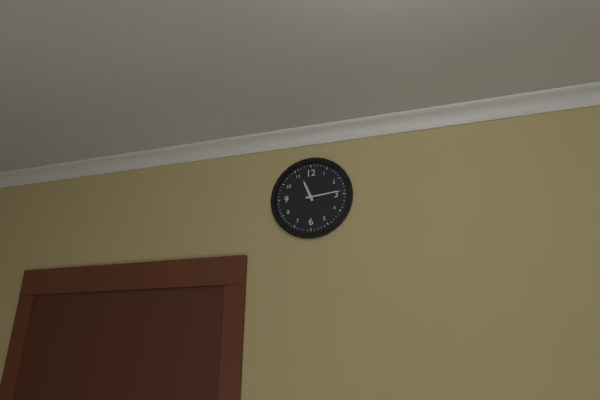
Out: 11:14
